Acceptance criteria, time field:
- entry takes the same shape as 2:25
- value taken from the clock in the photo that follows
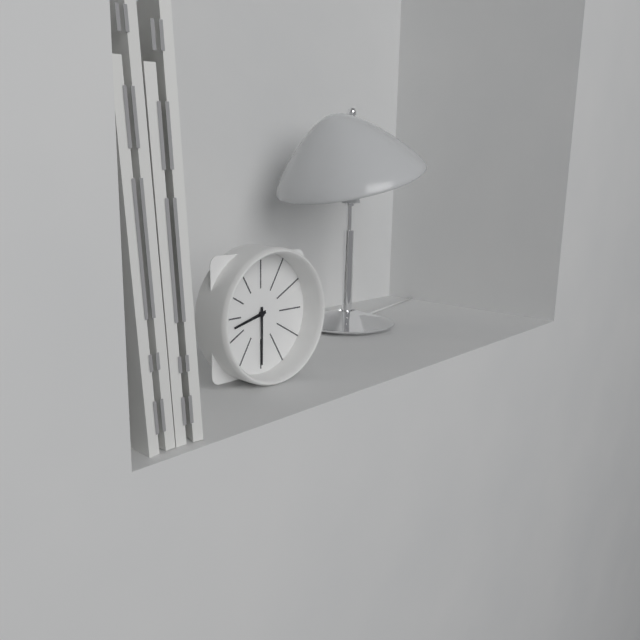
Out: 8:30
